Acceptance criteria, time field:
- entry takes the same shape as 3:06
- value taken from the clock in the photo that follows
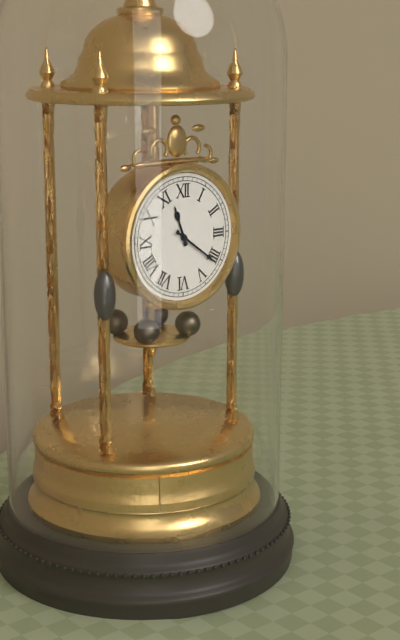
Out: 11:21
